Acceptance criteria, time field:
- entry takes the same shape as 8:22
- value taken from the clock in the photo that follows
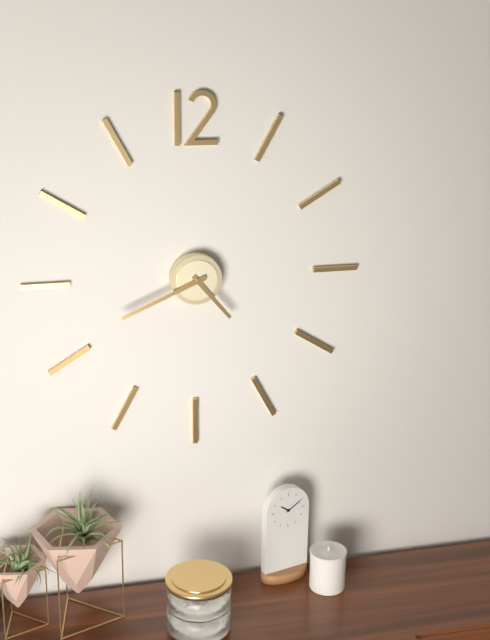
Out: 4:41
